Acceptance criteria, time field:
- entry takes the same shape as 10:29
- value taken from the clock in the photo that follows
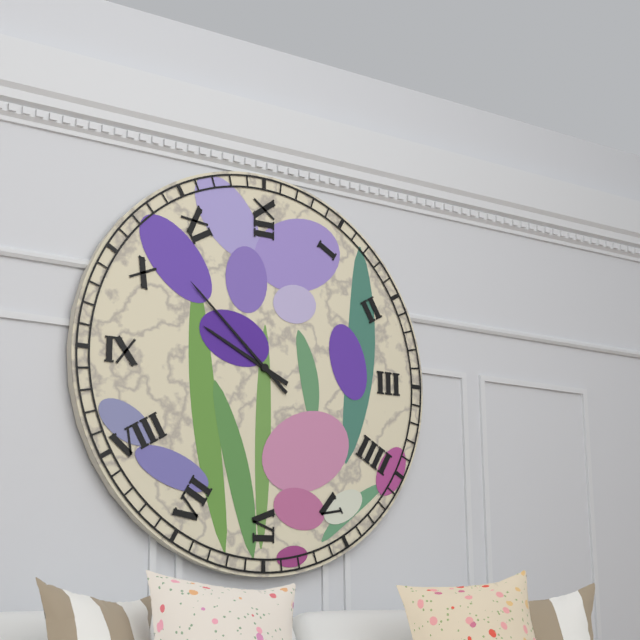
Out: 9:52
